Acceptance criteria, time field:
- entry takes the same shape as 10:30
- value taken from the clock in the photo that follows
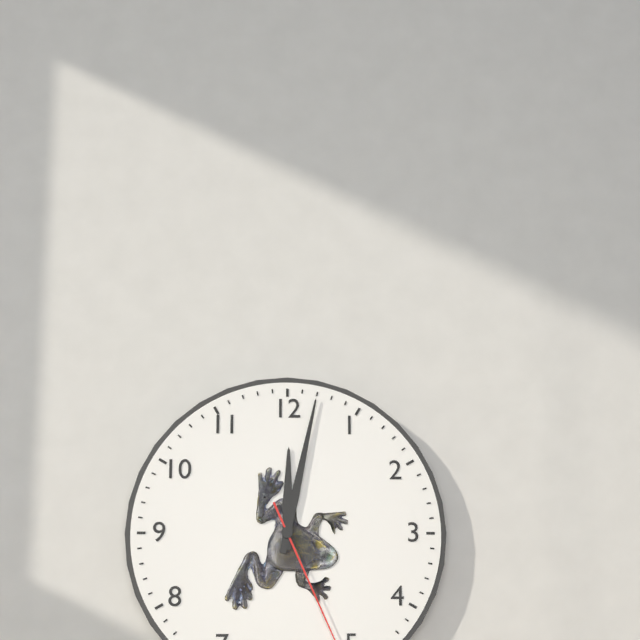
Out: 12:02
